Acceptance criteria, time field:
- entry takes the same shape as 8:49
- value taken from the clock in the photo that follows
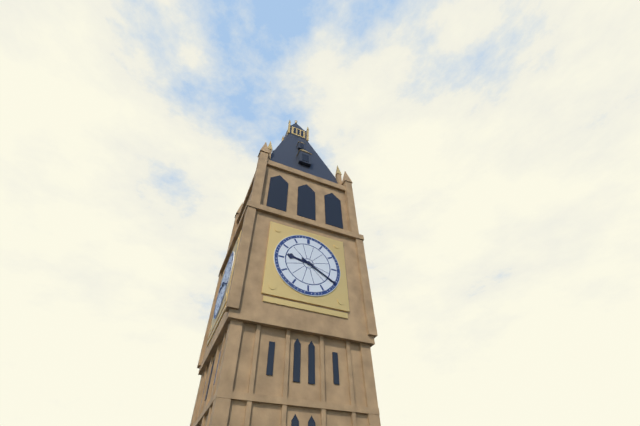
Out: 9:20
